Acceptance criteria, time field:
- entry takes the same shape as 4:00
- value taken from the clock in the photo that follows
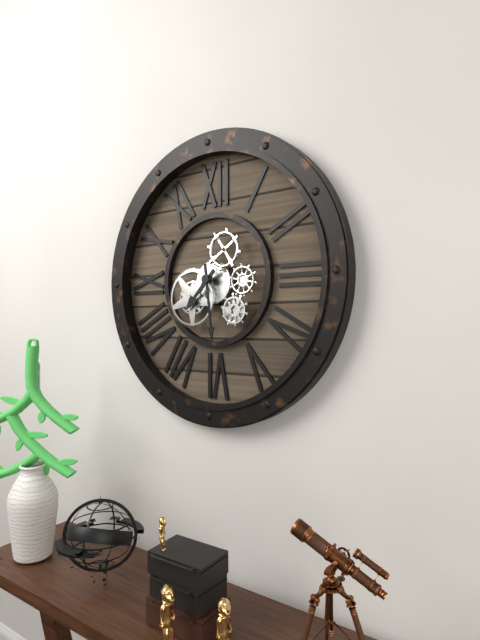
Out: 7:29
